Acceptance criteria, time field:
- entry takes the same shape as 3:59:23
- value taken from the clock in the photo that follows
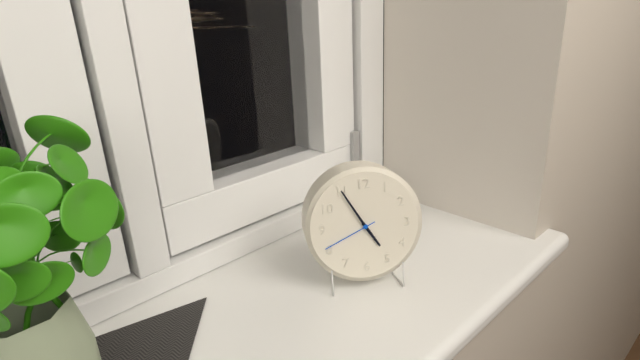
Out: 4:55:41
